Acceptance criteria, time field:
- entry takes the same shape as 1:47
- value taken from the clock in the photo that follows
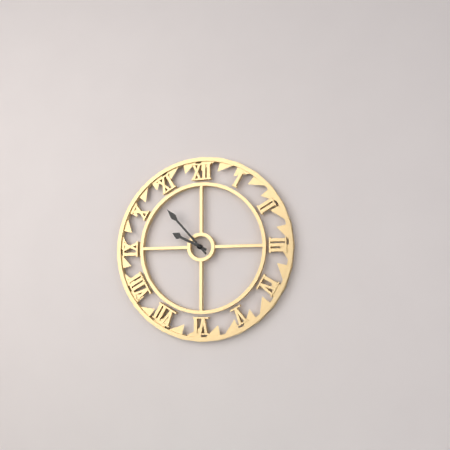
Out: 9:53
